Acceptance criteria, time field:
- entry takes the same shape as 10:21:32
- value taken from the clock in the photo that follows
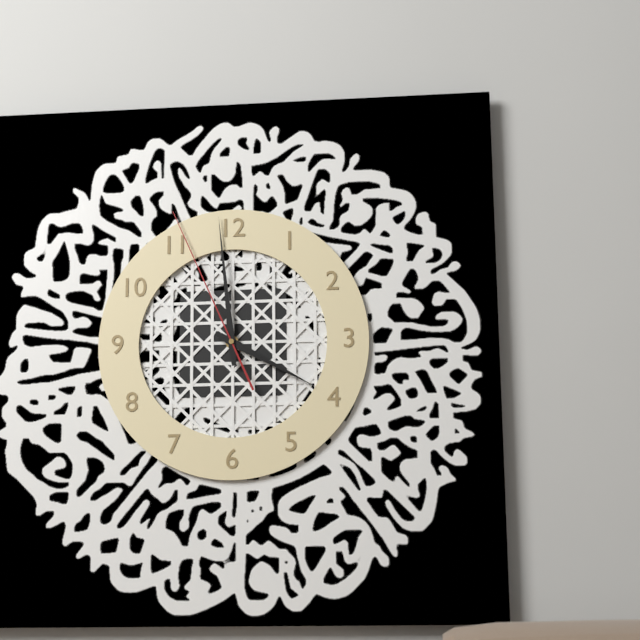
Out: 3:59:56
